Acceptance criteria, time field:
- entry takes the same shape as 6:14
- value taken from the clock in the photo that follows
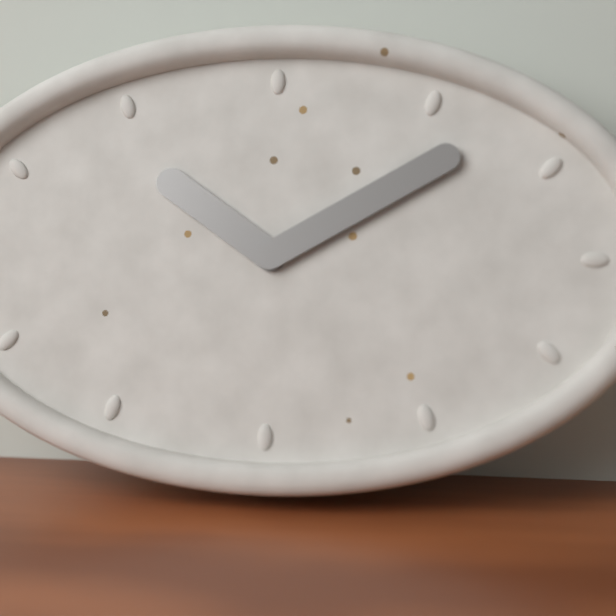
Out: 10:10
